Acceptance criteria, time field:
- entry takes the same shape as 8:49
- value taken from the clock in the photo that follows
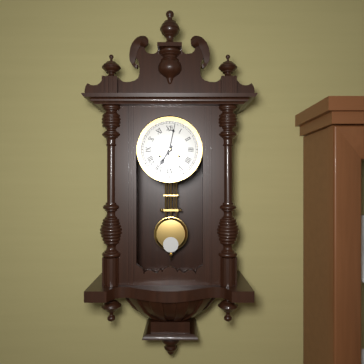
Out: 7:02
